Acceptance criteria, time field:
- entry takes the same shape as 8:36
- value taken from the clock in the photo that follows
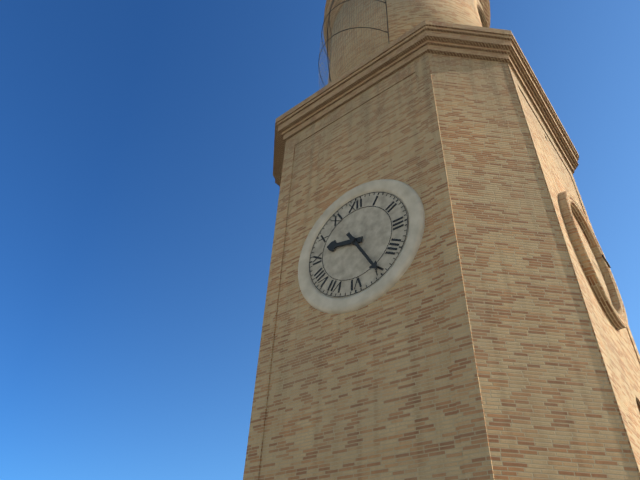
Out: 9:25
